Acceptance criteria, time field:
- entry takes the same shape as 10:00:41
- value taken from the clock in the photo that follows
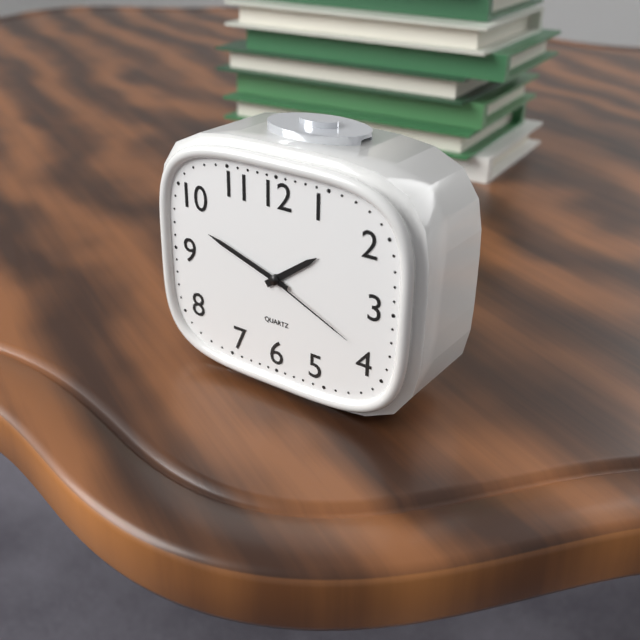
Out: 1:48:19
